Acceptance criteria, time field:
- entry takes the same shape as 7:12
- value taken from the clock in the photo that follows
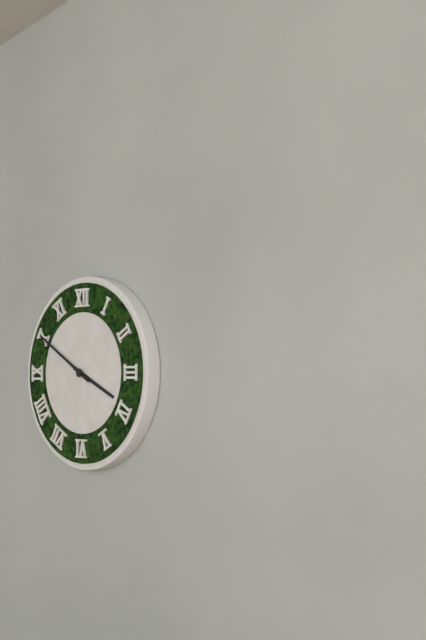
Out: 3:50
